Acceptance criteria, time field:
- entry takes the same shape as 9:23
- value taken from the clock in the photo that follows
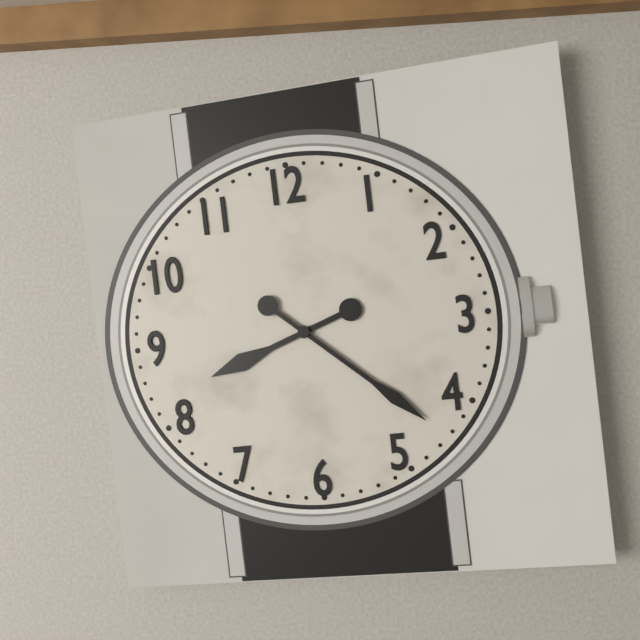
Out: 8:22
